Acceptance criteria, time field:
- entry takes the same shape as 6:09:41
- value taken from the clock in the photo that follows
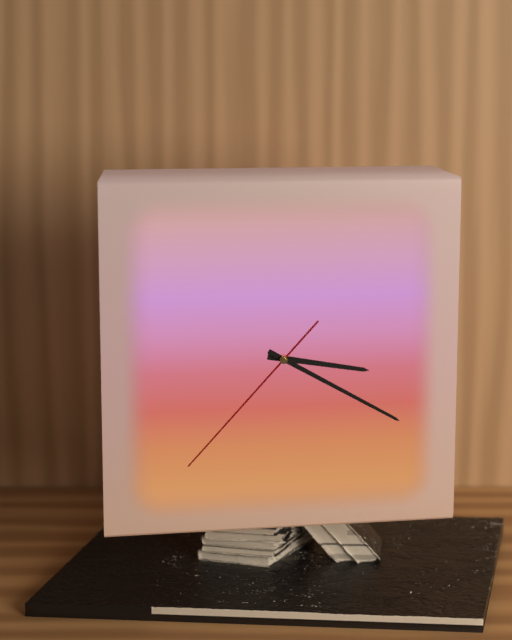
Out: 3:20:37
